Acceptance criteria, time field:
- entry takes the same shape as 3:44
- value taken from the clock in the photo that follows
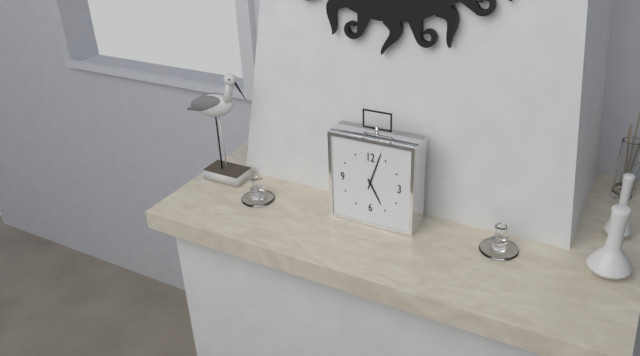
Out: 5:03
